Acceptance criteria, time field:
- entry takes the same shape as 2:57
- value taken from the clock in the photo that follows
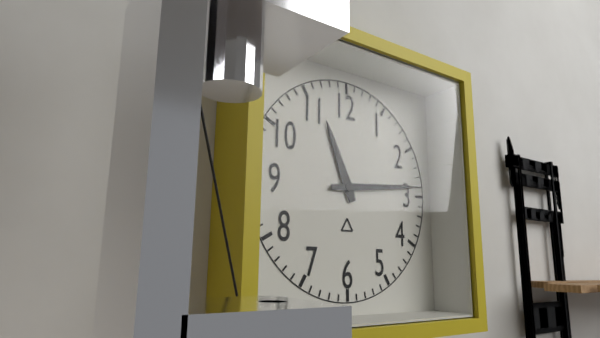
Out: 11:14
